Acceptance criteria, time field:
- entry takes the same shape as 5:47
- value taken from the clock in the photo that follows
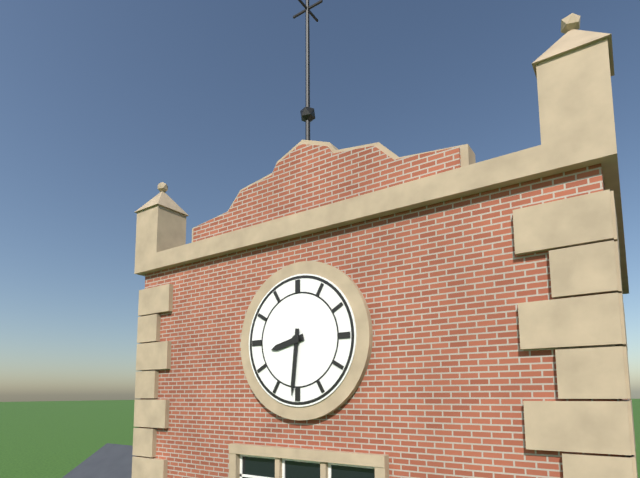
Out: 8:31
